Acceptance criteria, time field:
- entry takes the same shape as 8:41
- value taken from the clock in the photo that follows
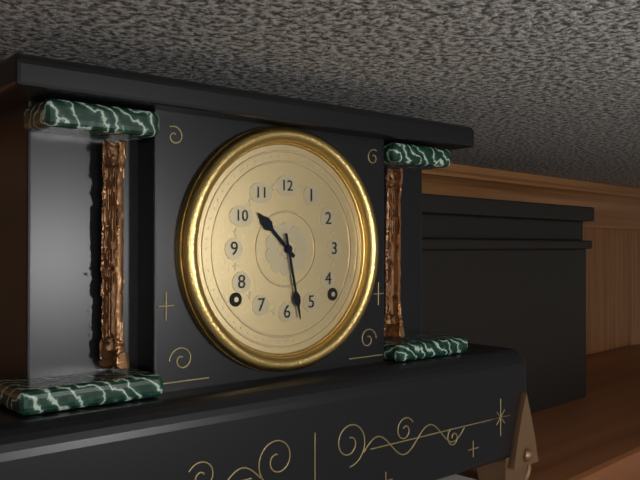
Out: 10:28
